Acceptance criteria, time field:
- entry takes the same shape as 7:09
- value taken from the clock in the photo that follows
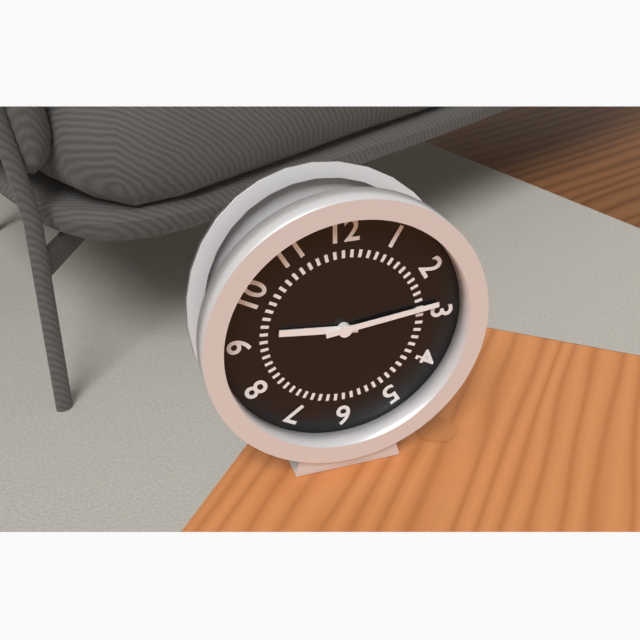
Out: 9:14
